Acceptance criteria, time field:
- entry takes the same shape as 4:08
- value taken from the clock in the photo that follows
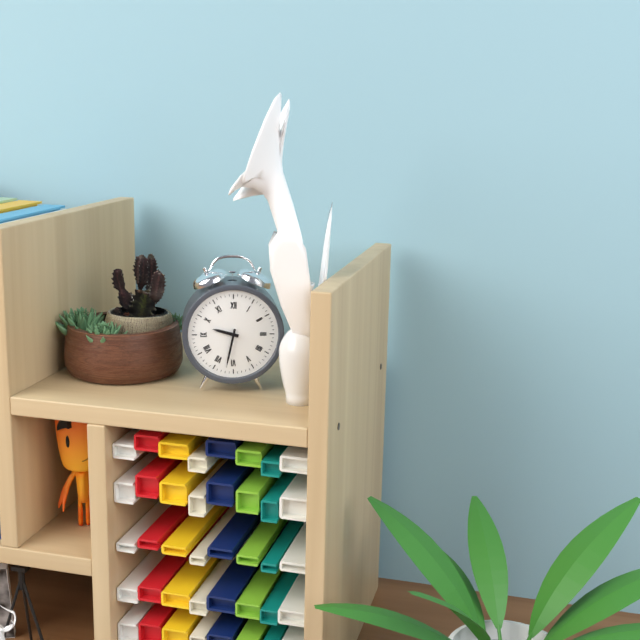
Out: 9:32
